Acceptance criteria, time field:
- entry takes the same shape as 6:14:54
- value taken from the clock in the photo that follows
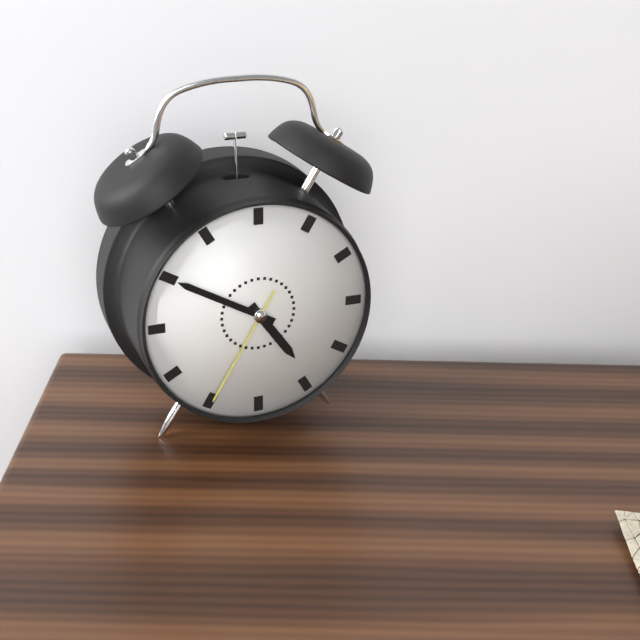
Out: 4:50:35
